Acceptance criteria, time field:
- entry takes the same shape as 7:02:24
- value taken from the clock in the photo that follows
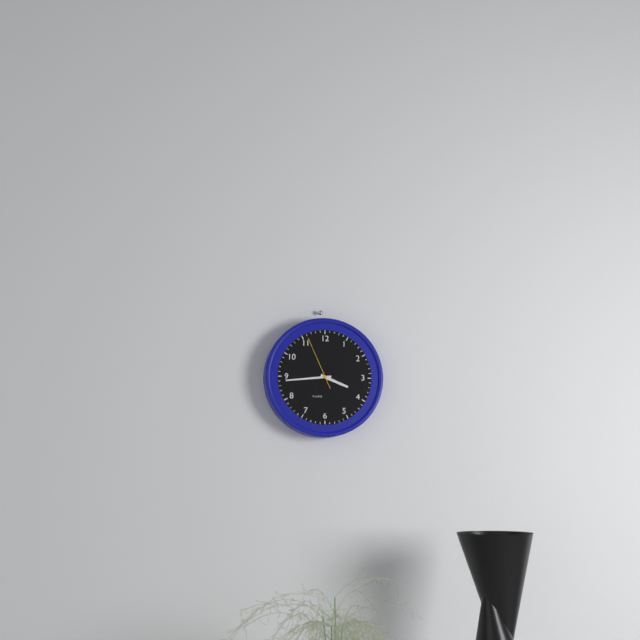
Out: 3:44:56
